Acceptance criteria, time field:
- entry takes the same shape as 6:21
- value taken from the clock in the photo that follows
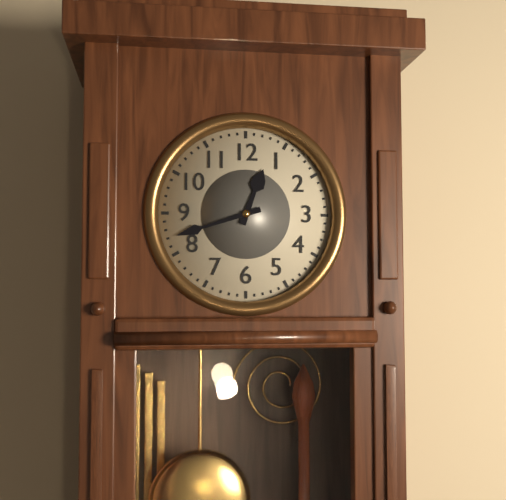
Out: 12:42
